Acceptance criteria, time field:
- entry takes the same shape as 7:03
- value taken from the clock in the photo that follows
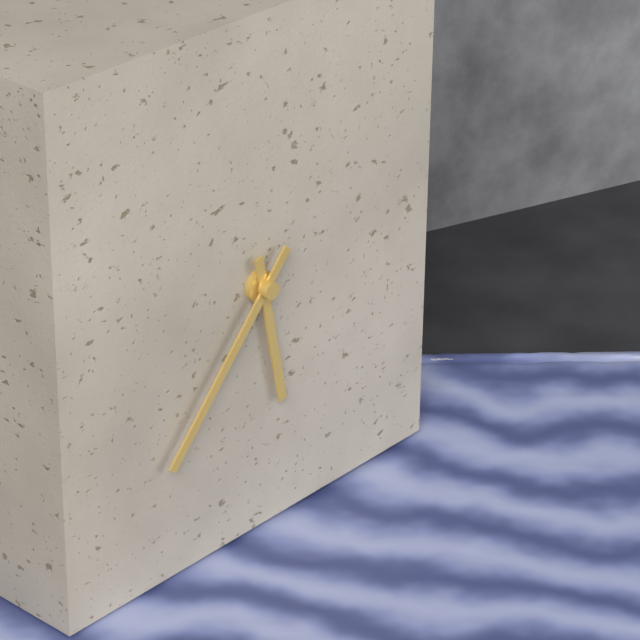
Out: 5:37
